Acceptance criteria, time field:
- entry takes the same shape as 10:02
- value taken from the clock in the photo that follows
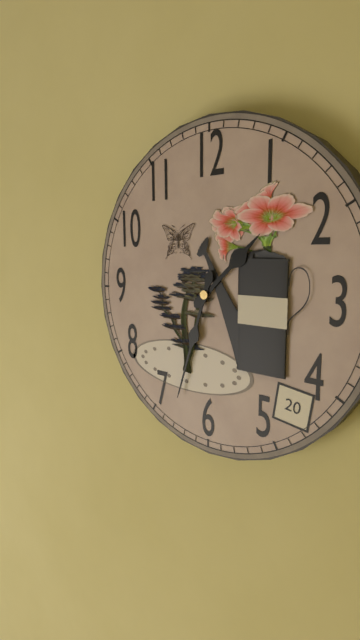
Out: 1:33
